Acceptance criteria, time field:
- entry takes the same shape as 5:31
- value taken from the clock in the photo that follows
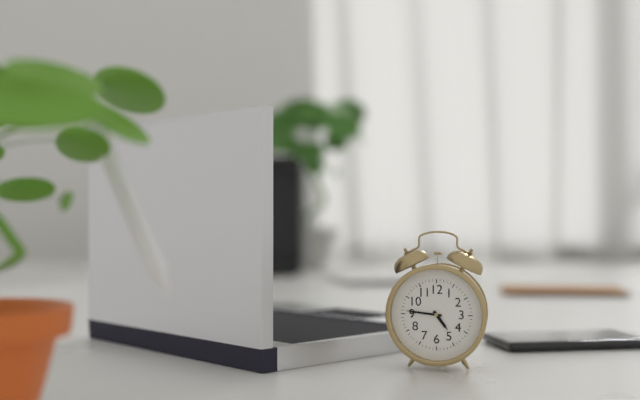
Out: 4:46
